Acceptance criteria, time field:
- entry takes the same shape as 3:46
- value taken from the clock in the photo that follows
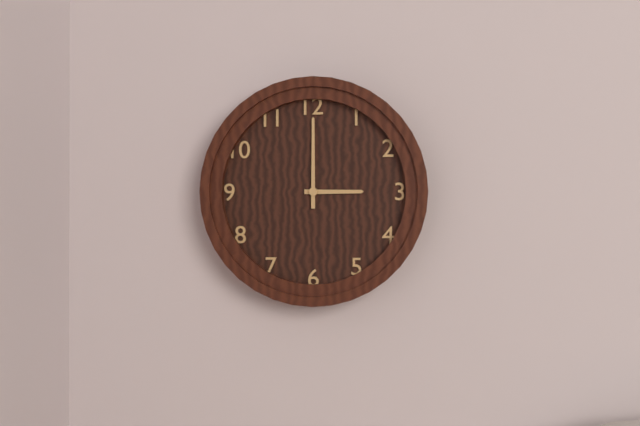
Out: 3:00
